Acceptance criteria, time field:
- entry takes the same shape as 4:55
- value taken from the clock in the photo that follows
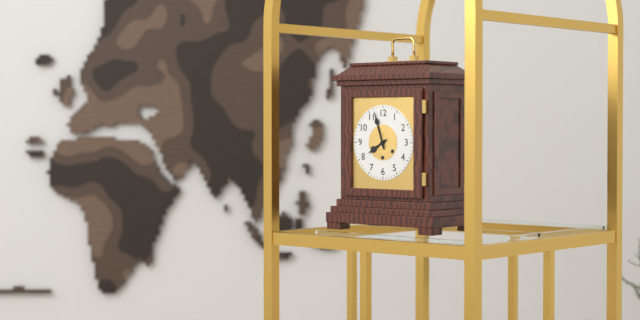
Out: 7:57
